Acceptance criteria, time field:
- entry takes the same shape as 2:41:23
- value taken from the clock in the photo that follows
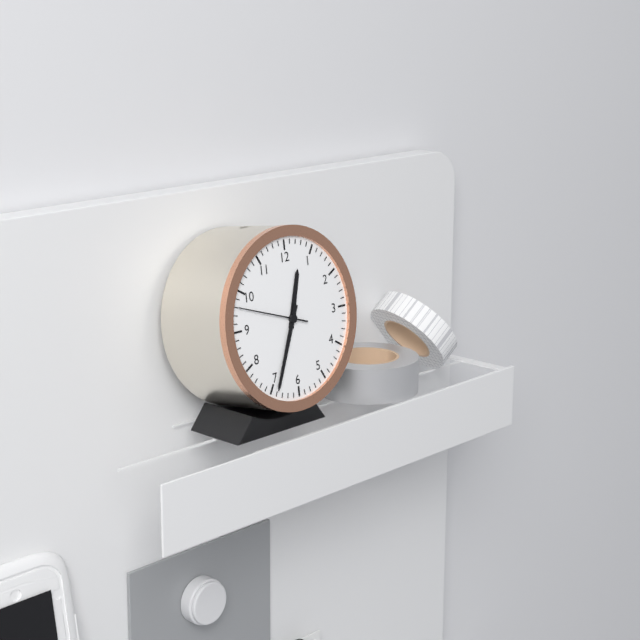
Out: 12:34:48
